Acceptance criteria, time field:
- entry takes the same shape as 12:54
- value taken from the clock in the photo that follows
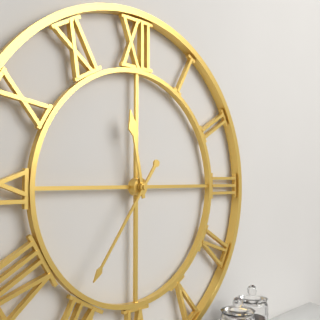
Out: 11:36
